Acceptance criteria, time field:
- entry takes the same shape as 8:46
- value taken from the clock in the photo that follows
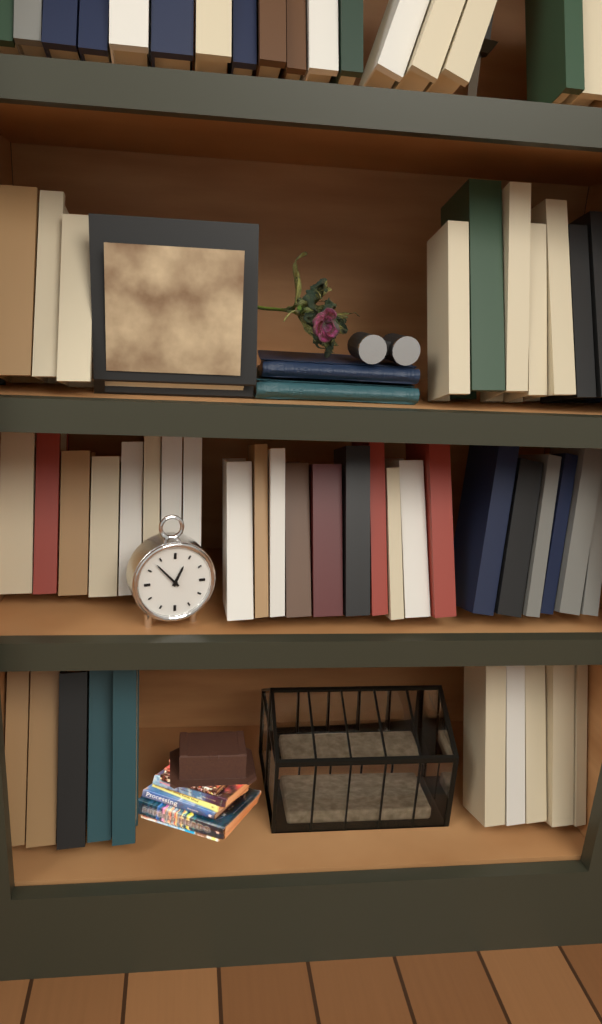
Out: 12:53
